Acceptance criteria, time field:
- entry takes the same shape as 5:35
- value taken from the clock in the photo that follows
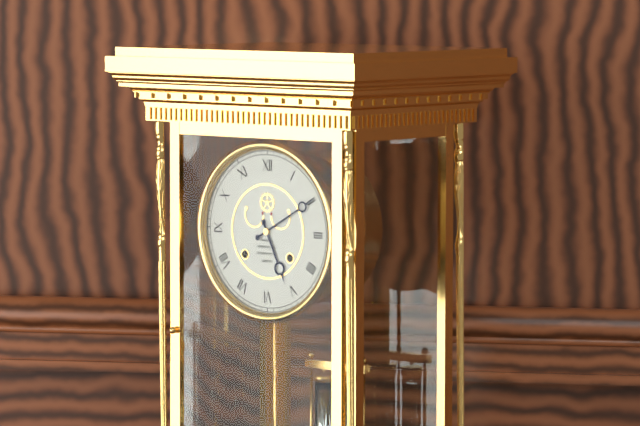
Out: 5:10
